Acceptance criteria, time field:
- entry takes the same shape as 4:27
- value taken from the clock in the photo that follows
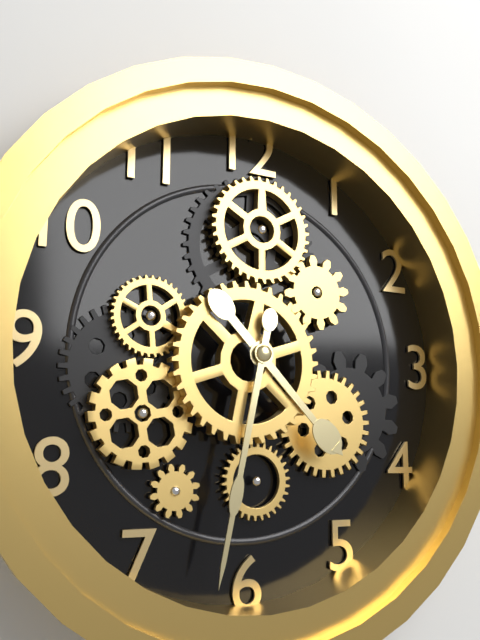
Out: 4:32
